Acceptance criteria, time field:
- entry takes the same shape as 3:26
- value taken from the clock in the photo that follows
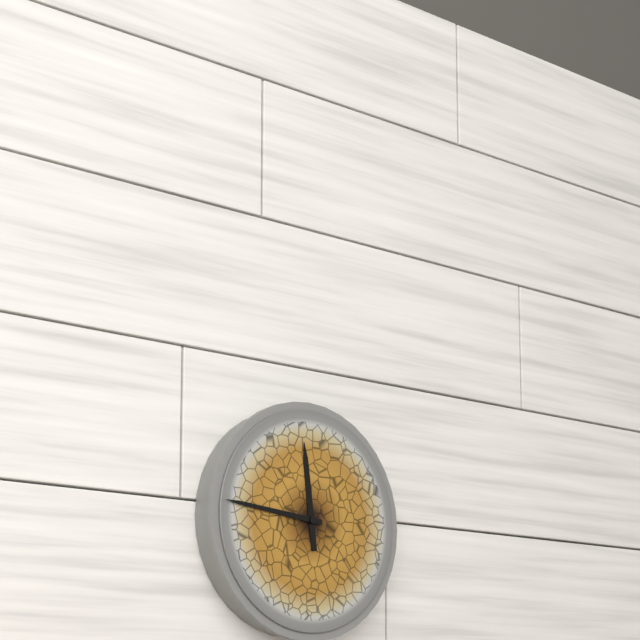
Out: 11:46
